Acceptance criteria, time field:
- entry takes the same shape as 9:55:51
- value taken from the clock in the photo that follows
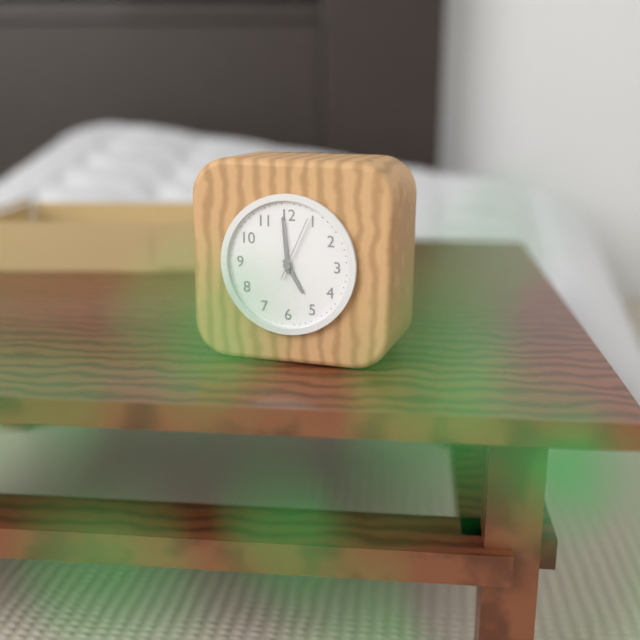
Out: 4:59:04
